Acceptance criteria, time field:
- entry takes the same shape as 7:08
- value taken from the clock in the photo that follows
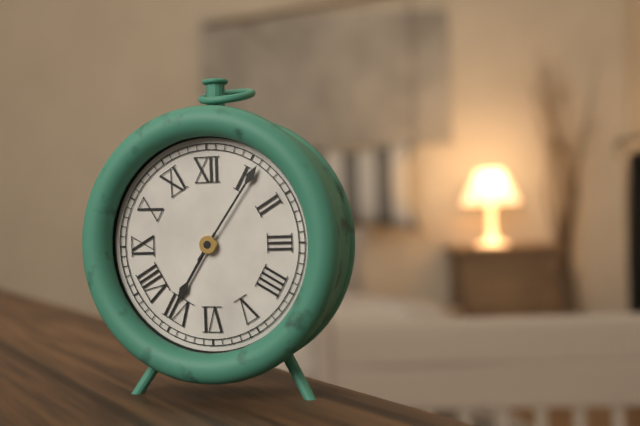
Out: 7:06
